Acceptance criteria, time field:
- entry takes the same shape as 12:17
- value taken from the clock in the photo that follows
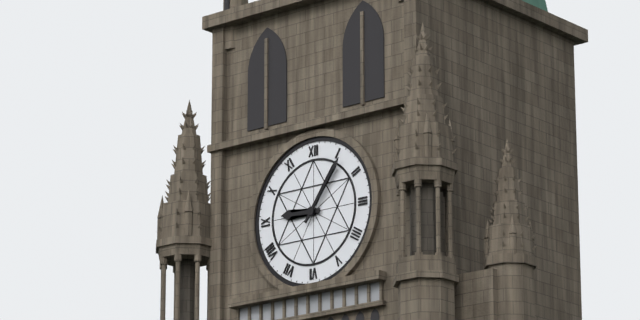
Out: 9:06
